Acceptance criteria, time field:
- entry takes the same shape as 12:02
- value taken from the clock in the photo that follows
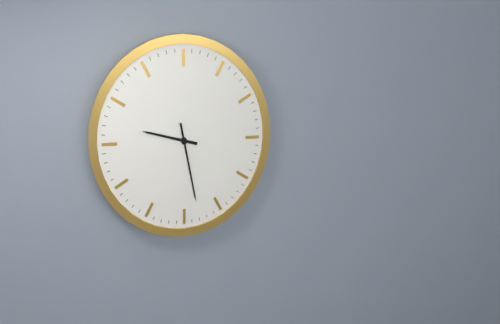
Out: 9:28
